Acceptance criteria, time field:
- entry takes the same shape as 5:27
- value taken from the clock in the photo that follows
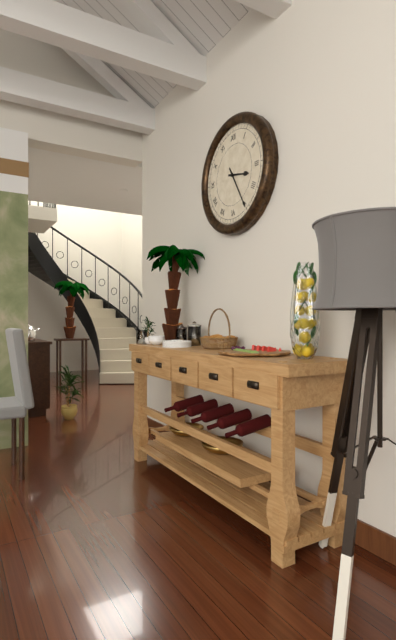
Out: 3:25
